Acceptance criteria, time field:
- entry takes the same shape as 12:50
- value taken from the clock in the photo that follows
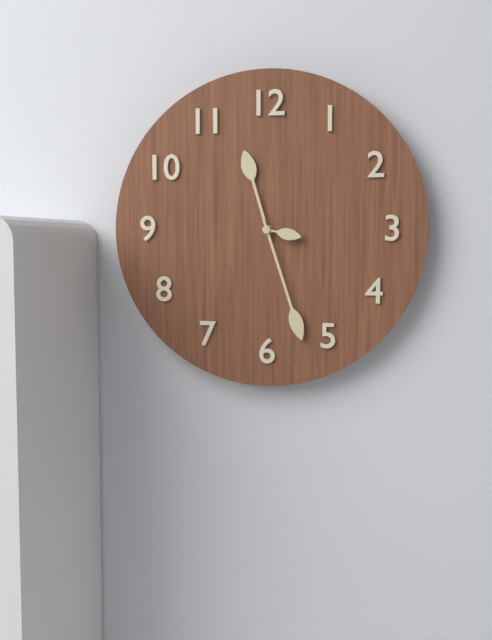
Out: 11:27
